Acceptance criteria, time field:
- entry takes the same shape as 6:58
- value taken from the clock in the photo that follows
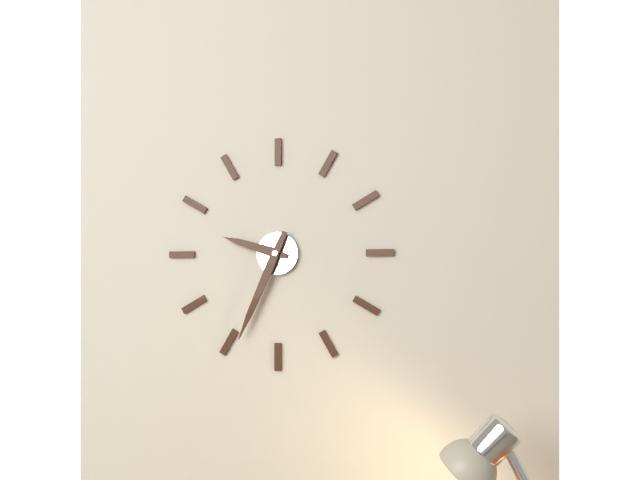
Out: 9:34
